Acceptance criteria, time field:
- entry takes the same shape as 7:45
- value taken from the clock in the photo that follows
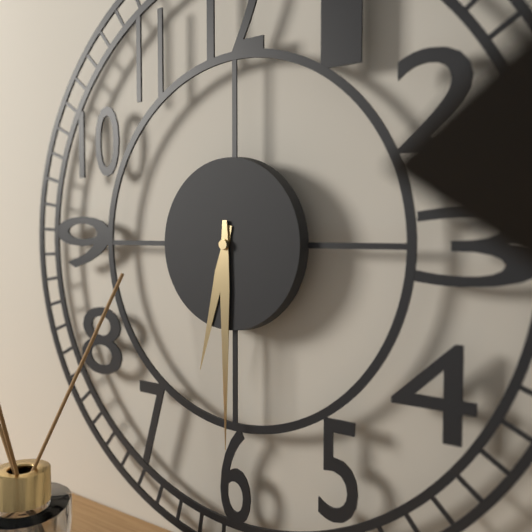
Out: 6:30
